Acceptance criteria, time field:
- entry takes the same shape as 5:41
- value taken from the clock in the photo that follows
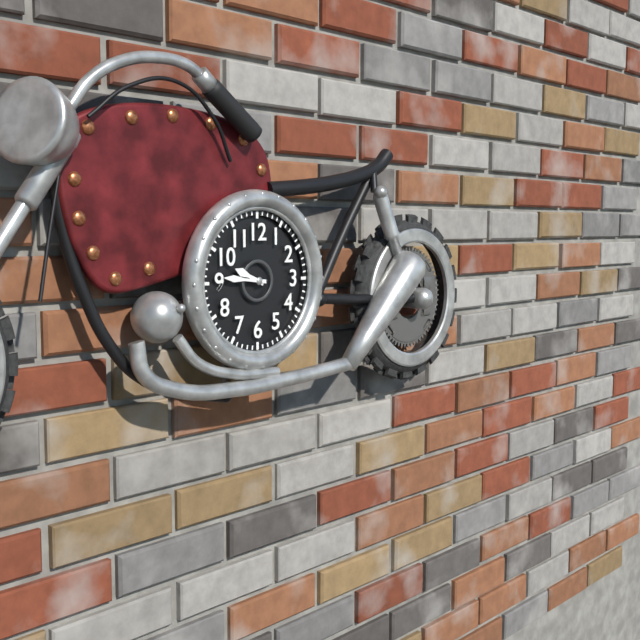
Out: 9:46
